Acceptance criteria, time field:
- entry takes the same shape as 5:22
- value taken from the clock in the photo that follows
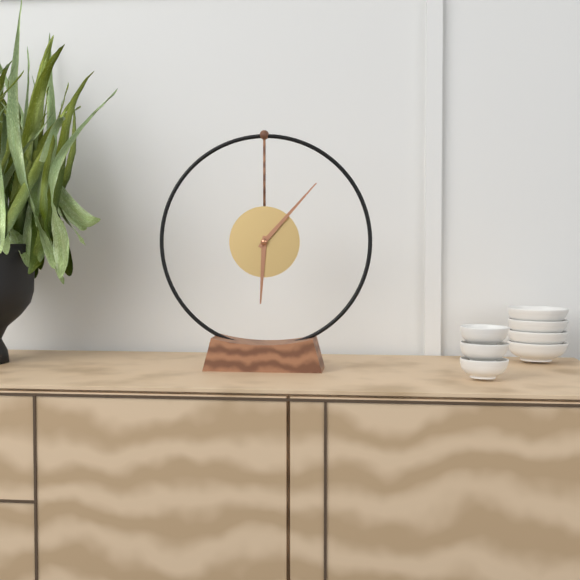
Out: 6:07
